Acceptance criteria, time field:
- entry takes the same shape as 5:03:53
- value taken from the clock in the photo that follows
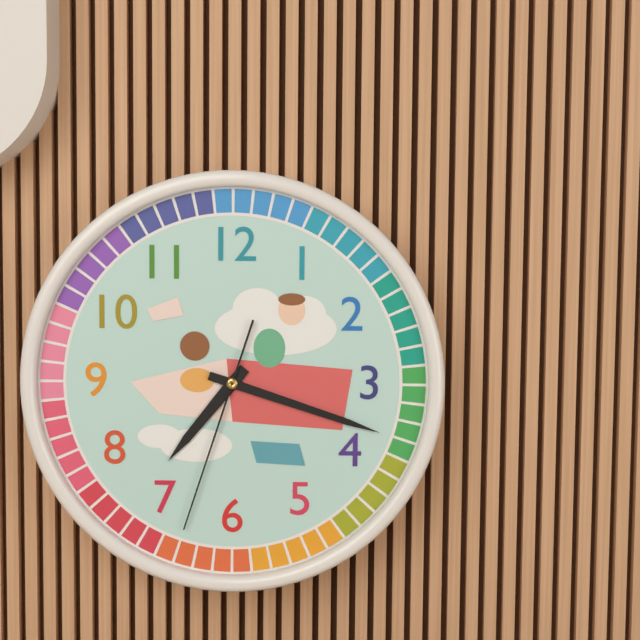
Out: 7:18:33
